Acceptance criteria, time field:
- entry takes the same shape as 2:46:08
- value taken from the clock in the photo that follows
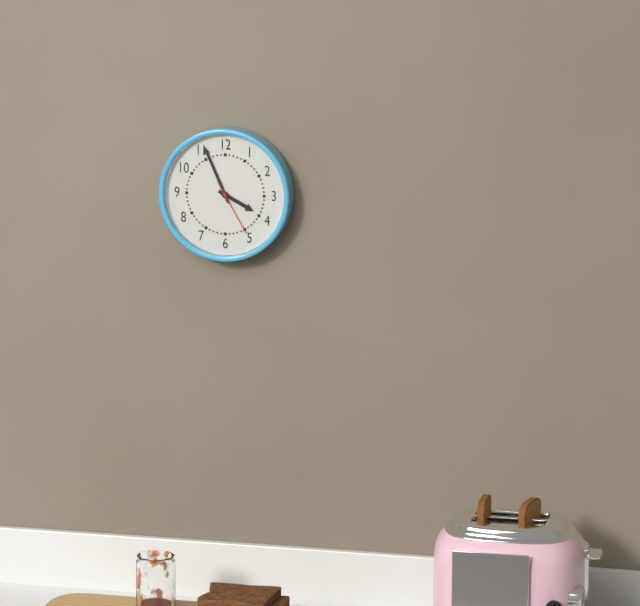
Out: 3:56:25
